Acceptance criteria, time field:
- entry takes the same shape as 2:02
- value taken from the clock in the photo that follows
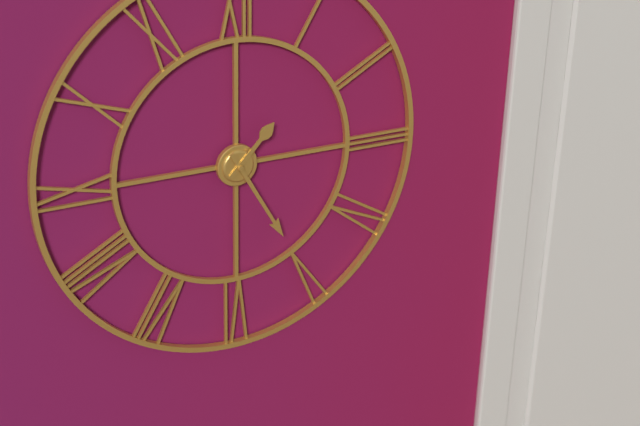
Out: 1:25
